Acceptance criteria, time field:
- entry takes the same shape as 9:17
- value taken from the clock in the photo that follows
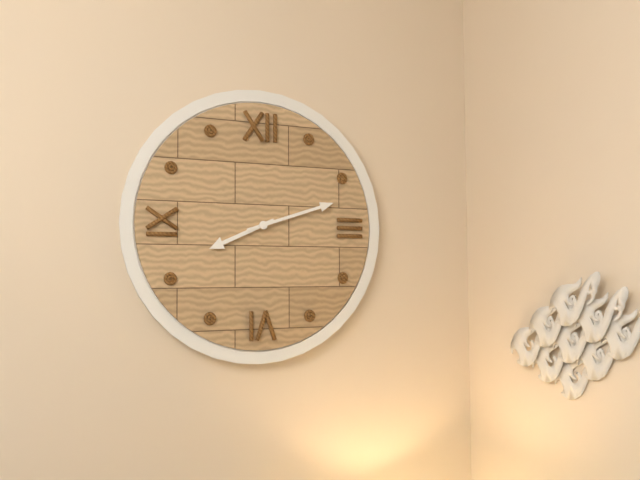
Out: 8:12
